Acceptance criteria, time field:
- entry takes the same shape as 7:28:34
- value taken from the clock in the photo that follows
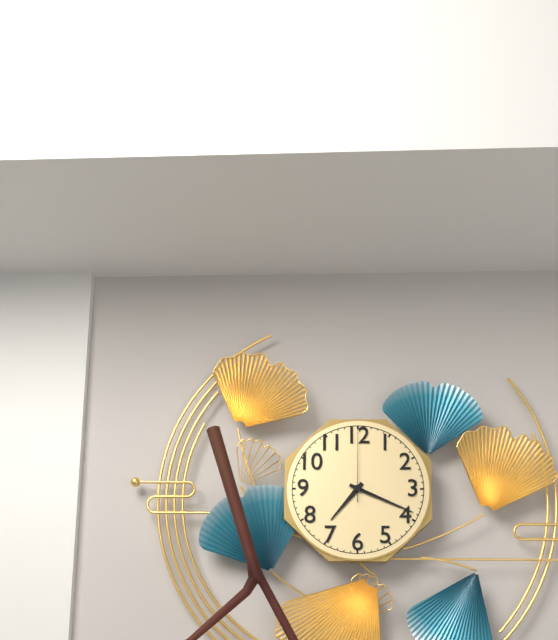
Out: 7:19:00
